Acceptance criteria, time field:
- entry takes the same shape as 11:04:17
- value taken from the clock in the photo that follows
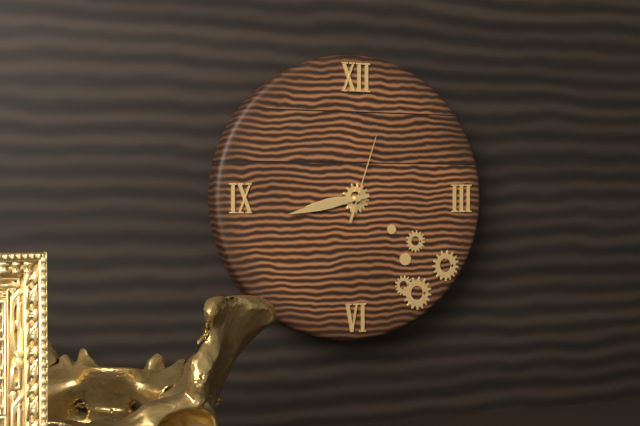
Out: 8:43:03
